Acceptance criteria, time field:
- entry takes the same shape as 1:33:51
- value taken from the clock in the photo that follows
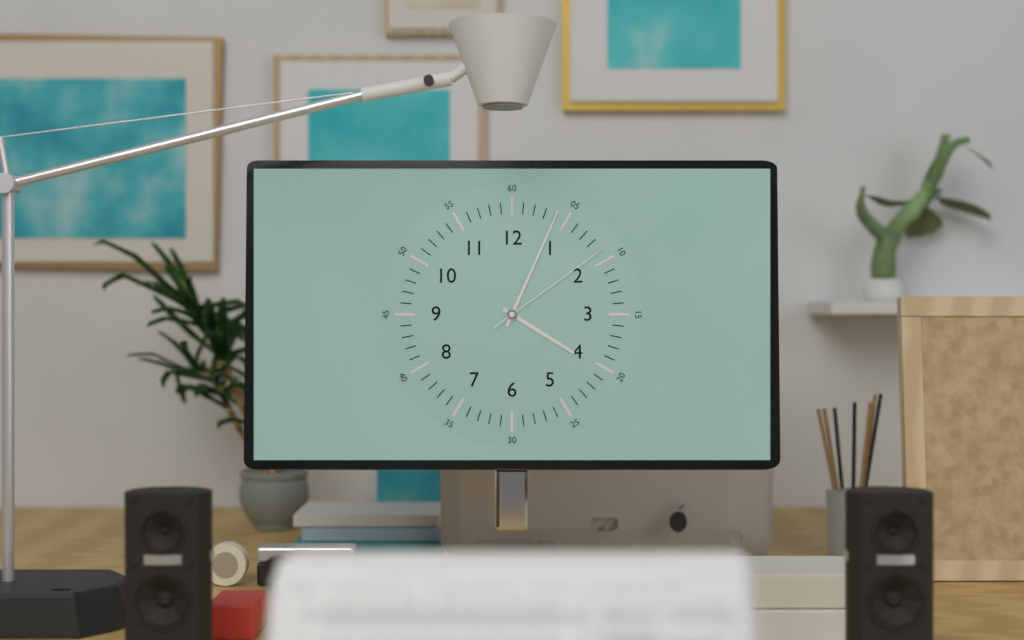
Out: 4:04:09
